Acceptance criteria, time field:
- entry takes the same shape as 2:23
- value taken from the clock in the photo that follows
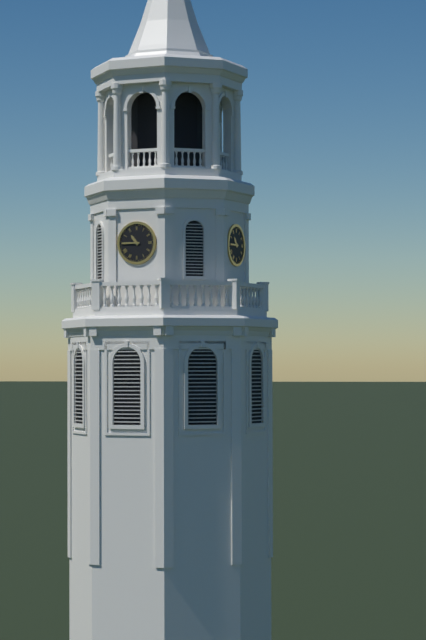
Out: 10:45
